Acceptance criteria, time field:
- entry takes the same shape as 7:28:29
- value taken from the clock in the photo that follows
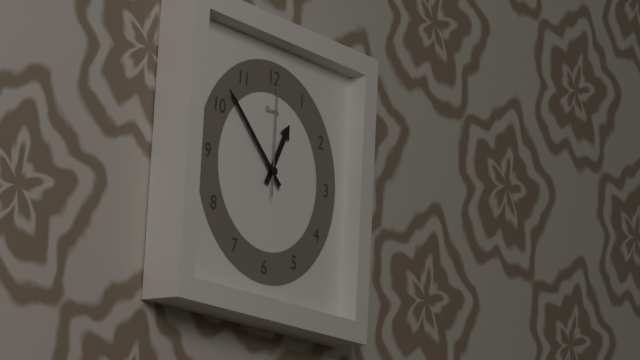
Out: 12:52:00
